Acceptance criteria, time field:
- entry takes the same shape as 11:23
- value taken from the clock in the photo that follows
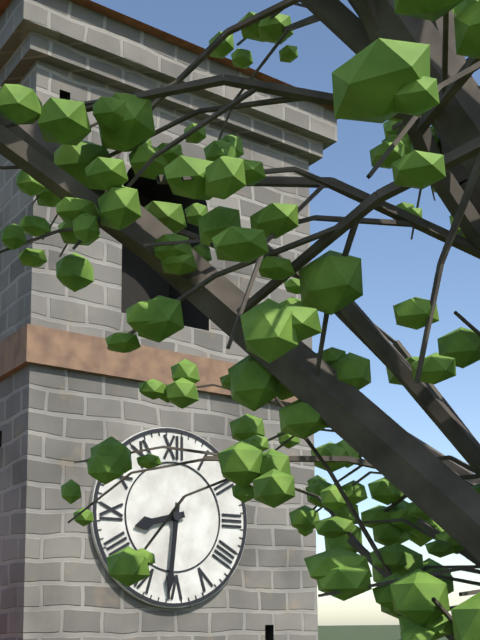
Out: 8:31
